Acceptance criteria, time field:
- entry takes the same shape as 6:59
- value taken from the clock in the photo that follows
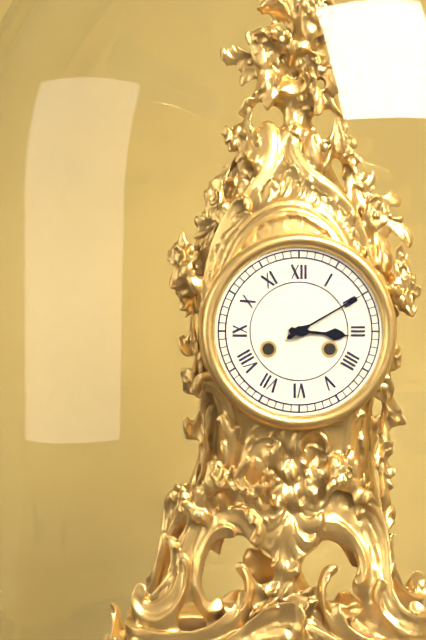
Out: 3:10
